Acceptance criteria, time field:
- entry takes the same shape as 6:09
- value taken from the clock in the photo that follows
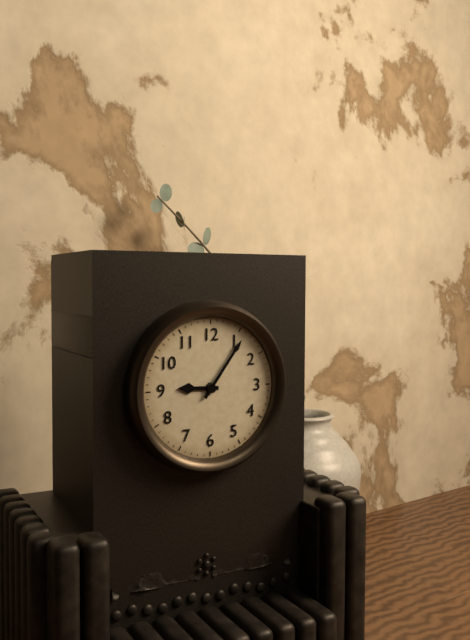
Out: 9:06
